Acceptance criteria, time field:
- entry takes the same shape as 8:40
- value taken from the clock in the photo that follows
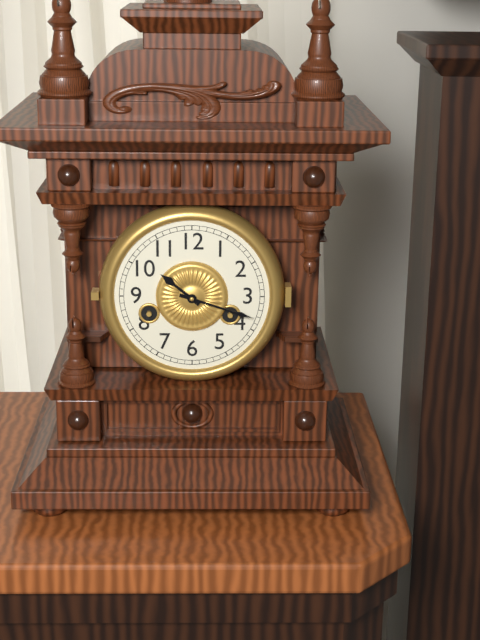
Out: 10:18
